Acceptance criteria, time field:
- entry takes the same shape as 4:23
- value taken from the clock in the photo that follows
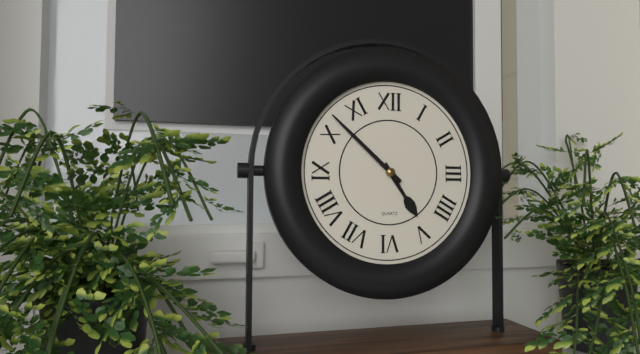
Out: 4:52
